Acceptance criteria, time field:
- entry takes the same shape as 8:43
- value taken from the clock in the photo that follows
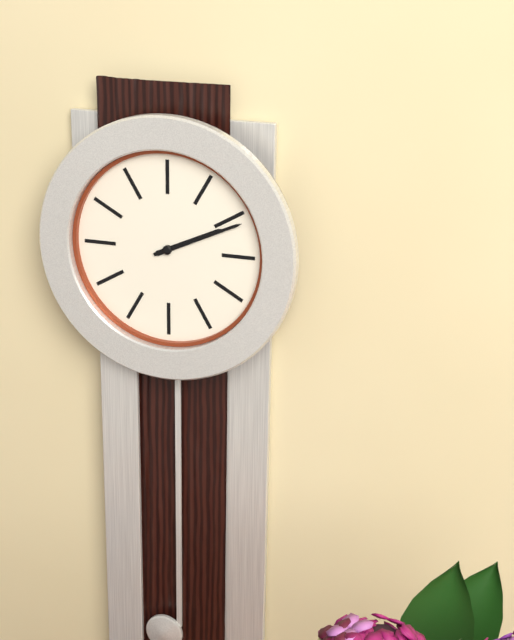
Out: 2:11
